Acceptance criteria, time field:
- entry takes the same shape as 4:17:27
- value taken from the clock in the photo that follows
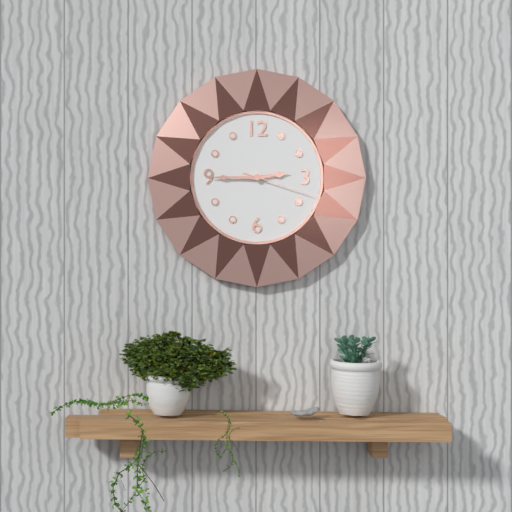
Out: 2:45:18
